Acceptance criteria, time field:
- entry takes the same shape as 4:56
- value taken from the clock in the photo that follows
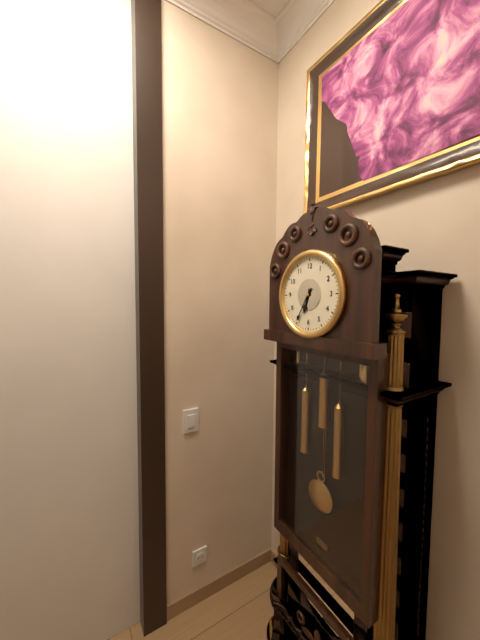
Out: 6:35
